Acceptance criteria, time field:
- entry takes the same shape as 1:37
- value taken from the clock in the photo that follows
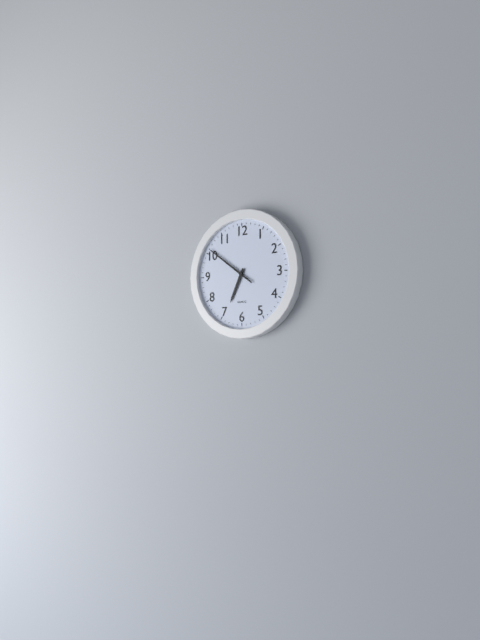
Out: 6:51
